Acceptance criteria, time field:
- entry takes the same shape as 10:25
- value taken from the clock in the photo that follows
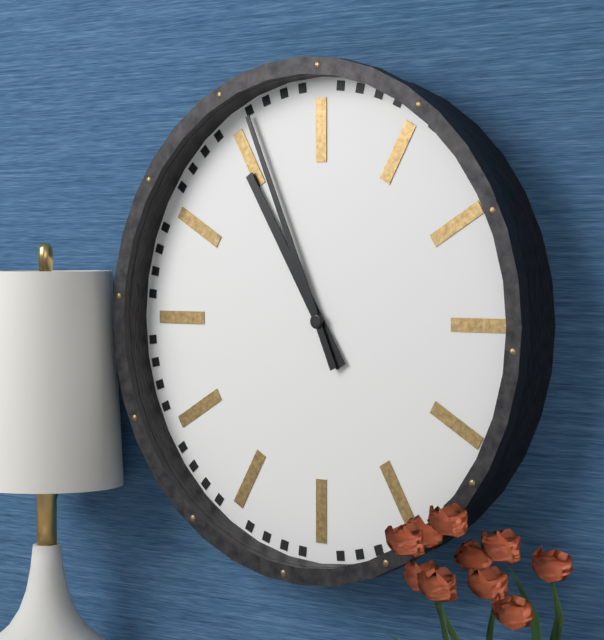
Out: 10:56
